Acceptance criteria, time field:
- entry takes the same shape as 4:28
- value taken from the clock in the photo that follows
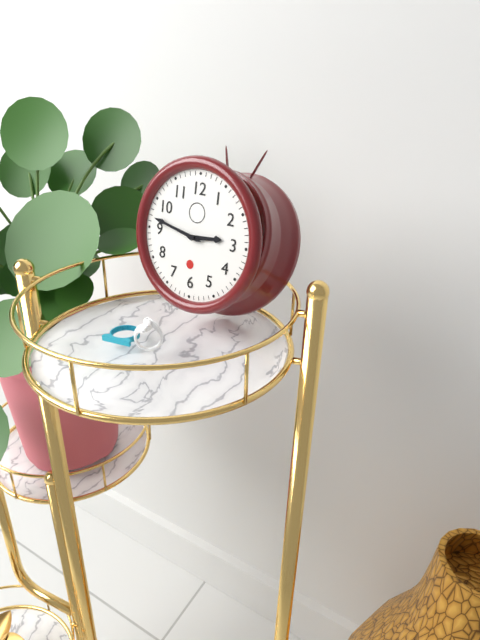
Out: 2:47
